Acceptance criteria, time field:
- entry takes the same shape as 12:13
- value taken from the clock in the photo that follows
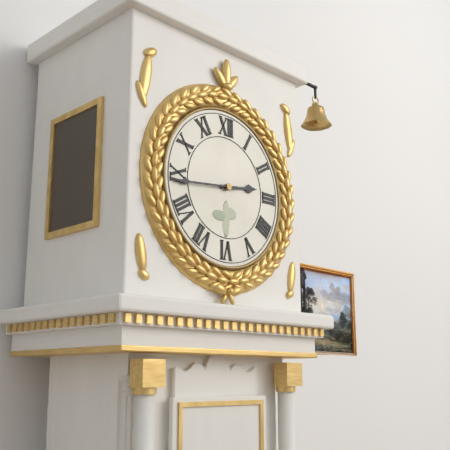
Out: 2:44
